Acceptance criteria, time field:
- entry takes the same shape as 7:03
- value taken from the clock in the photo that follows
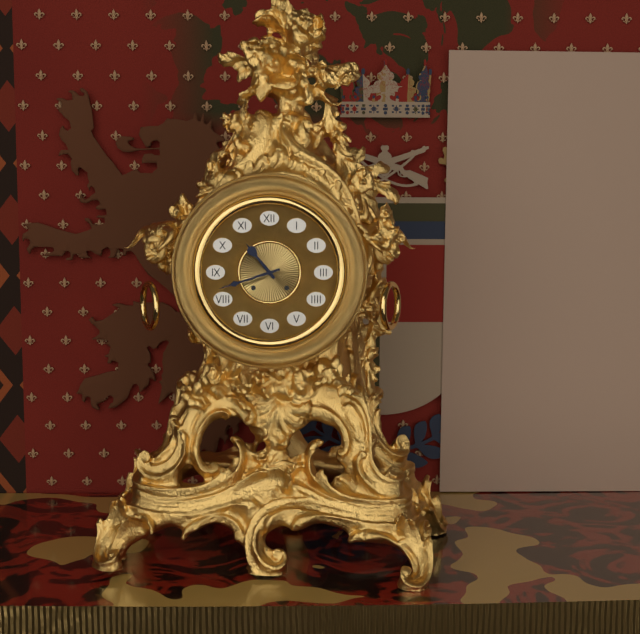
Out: 10:42
